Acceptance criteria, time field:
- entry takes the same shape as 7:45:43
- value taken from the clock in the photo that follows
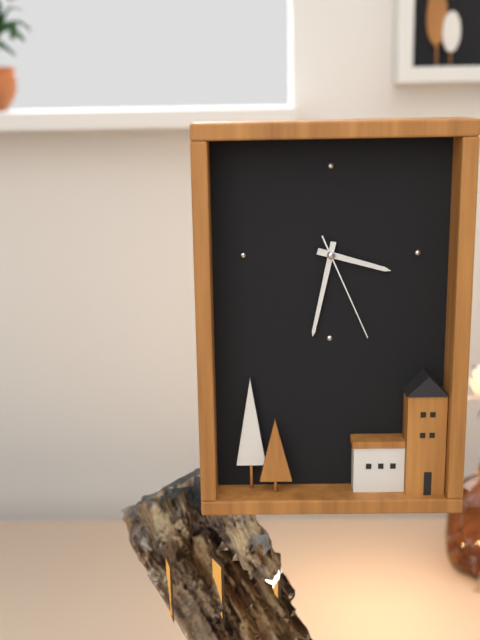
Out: 3:32:26
